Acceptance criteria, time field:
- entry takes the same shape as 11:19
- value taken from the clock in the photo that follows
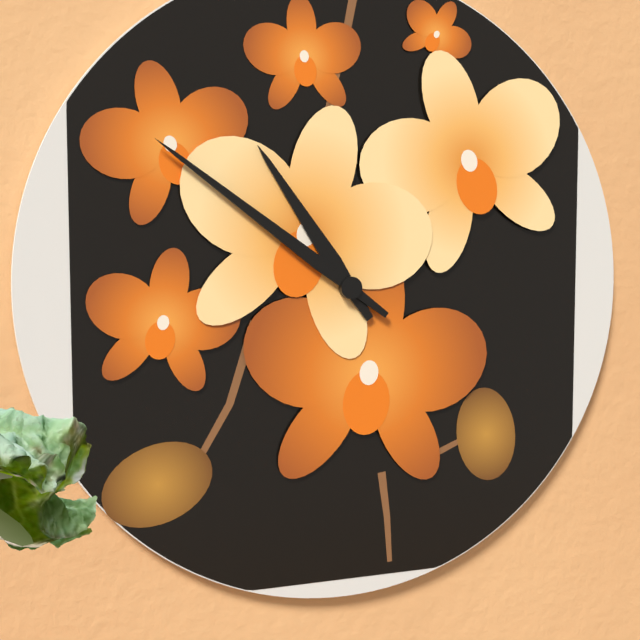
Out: 10:51
